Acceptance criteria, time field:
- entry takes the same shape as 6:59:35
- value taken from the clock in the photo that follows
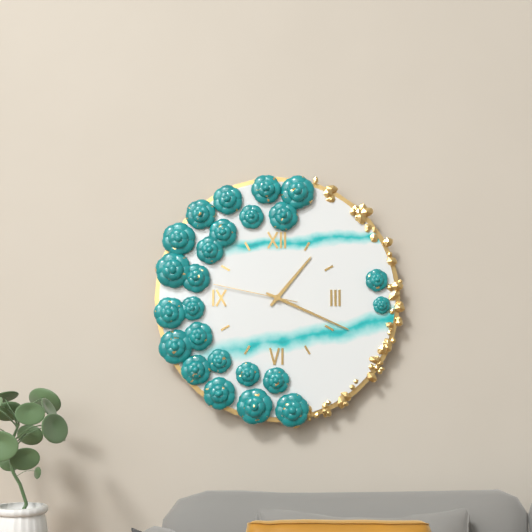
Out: 1:19:47
